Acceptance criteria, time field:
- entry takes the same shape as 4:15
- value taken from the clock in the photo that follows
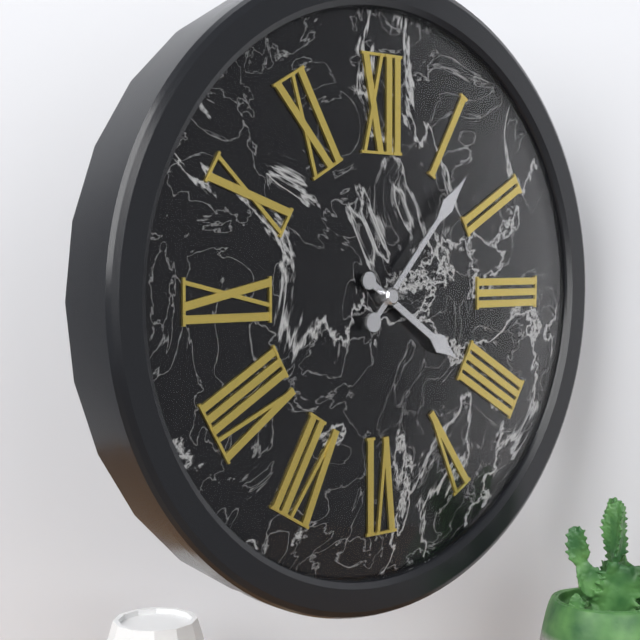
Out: 4:07
